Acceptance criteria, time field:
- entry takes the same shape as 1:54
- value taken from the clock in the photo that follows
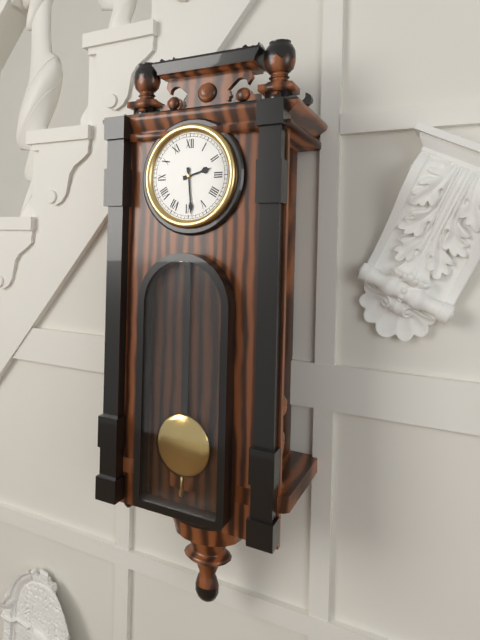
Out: 2:29
